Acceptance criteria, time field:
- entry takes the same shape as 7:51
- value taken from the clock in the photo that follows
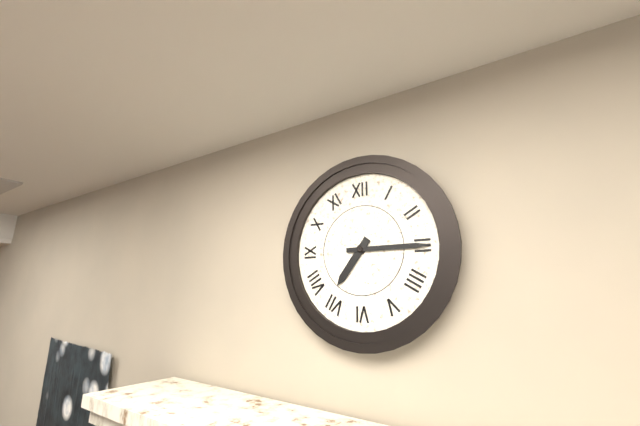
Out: 7:15
